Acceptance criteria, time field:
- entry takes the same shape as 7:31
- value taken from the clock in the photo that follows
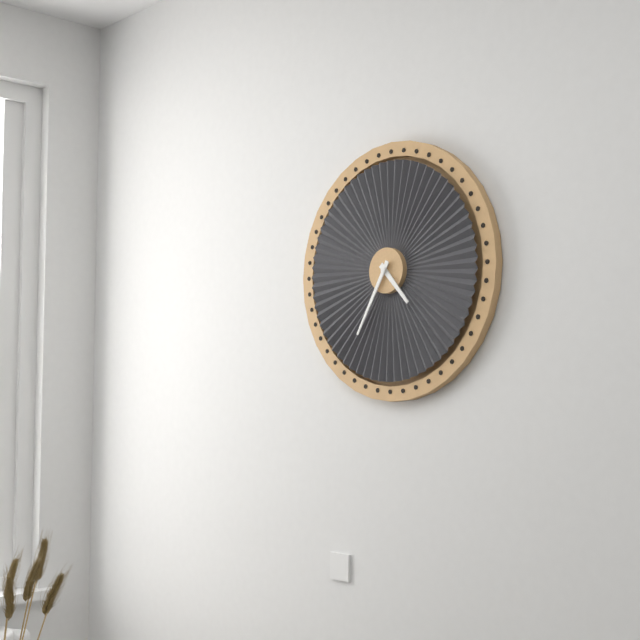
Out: 4:35
